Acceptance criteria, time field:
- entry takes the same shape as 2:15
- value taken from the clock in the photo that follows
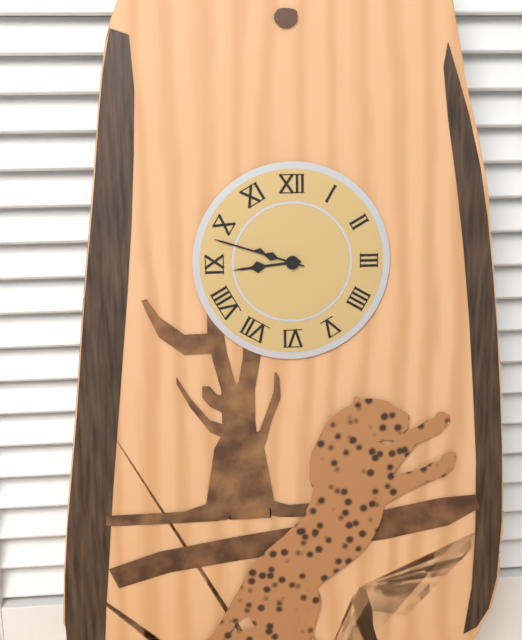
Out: 8:48
